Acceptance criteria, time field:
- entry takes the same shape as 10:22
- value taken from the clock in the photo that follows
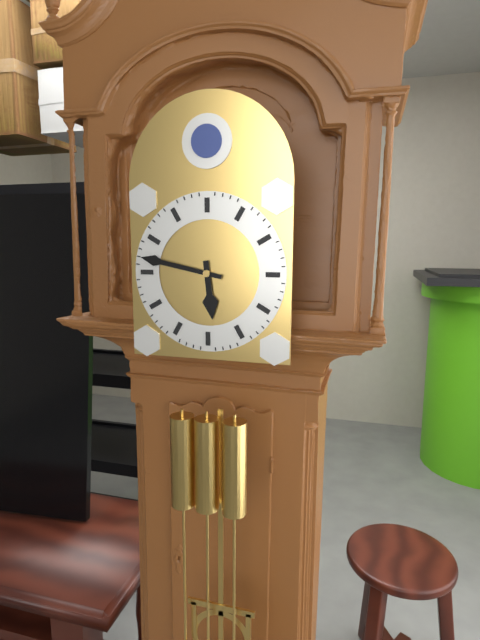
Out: 5:47
